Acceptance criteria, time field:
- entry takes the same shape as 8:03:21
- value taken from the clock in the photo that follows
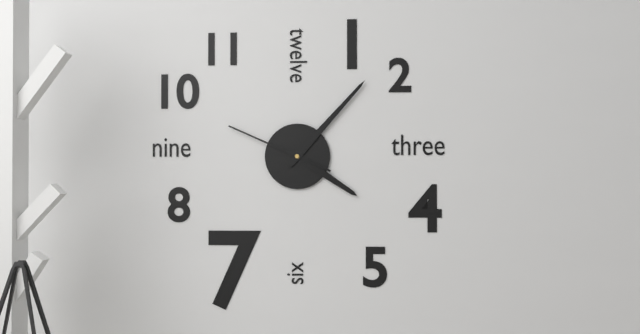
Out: 4:07:49
